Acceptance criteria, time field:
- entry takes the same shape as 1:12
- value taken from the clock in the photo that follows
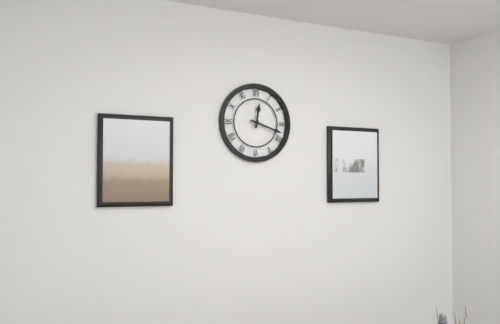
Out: 12:18
